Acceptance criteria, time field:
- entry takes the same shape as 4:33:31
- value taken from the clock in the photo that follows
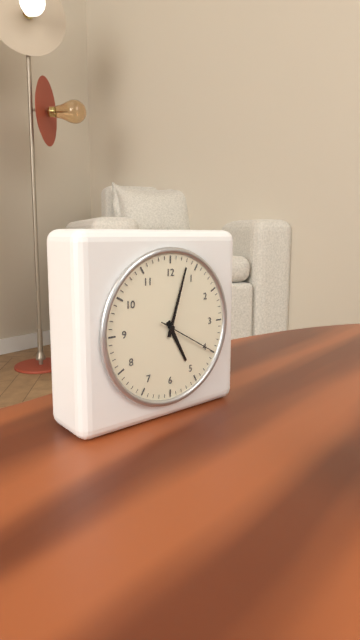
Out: 5:03:20
